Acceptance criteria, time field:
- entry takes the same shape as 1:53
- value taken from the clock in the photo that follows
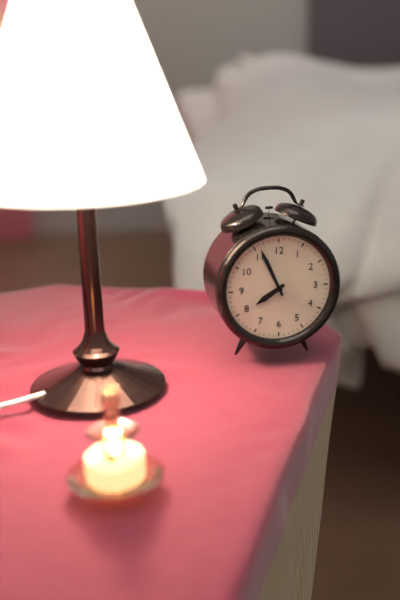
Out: 7:56
